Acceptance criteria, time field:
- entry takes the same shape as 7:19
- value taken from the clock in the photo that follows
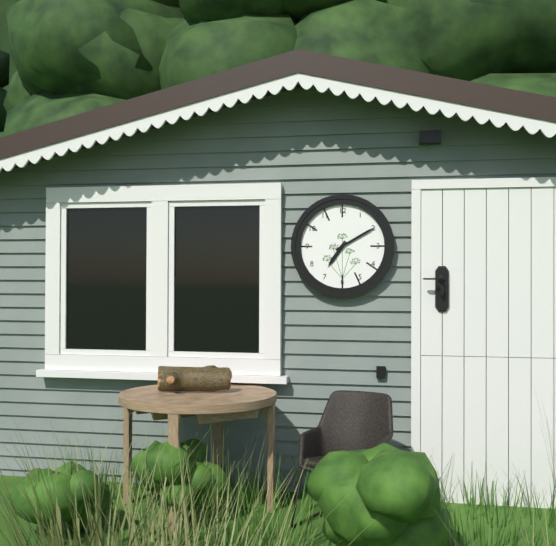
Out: 7:10
